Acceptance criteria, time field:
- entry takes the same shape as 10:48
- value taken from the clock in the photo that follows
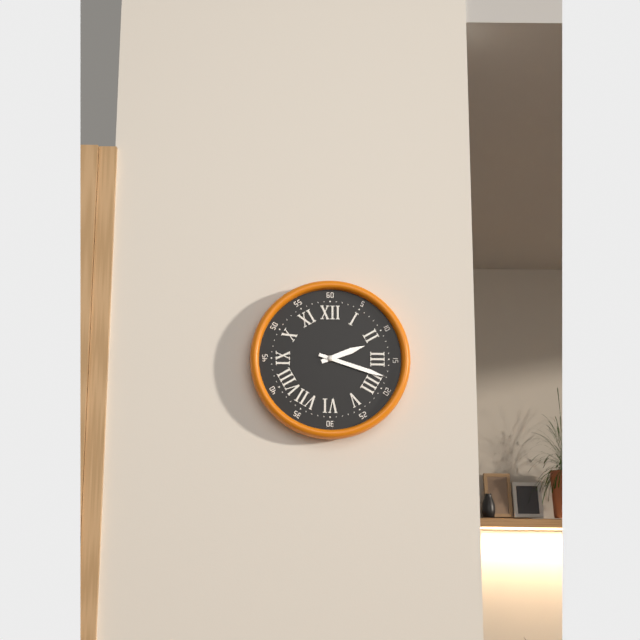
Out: 2:18
